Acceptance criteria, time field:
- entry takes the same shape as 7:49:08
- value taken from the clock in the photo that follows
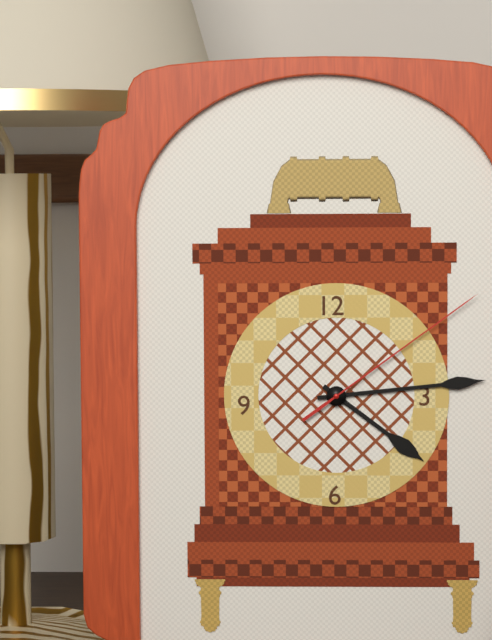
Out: 4:14:09
